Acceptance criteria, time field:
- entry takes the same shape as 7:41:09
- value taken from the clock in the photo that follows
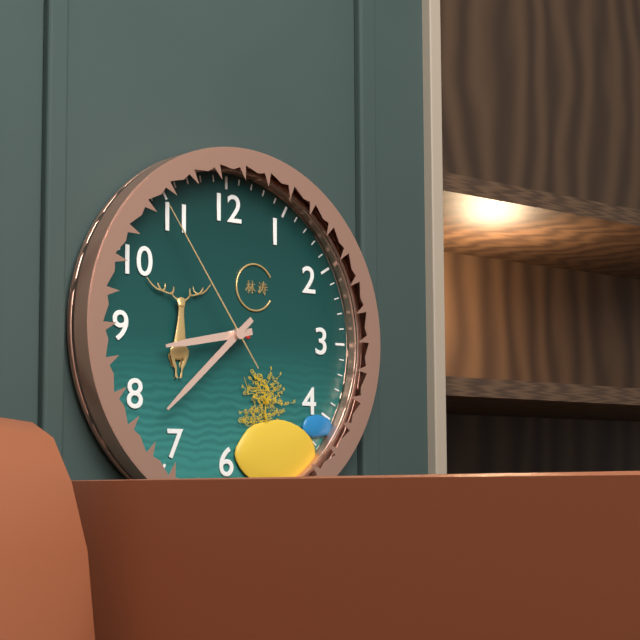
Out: 8:38:54
